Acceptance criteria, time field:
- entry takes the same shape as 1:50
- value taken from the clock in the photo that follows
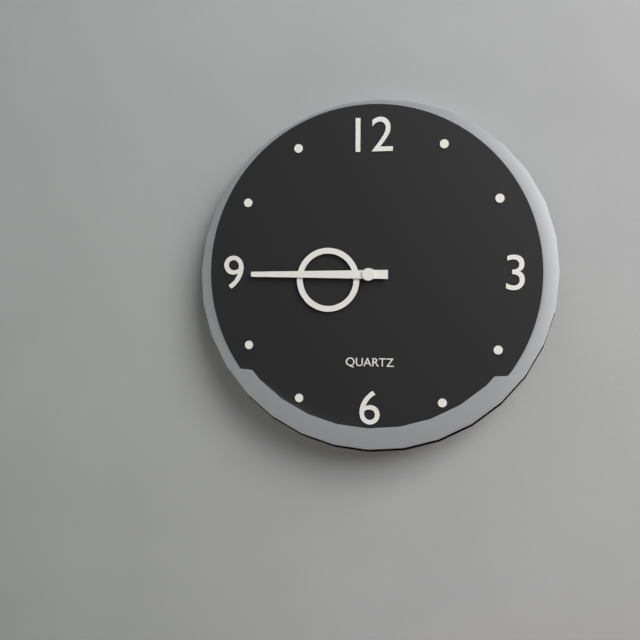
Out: 8:45
